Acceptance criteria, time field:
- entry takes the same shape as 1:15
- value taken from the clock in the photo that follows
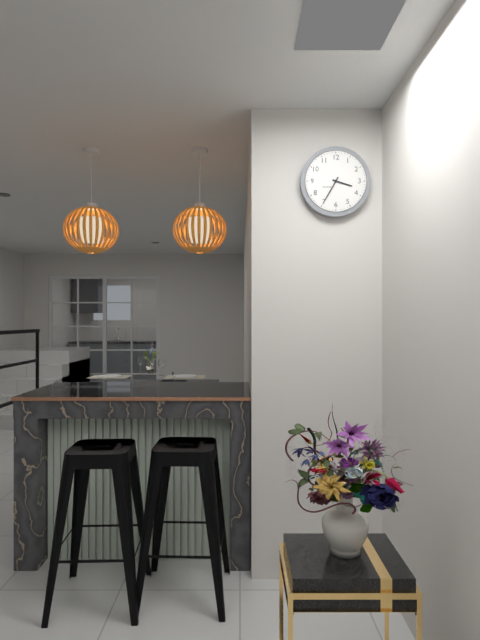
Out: 3:35
